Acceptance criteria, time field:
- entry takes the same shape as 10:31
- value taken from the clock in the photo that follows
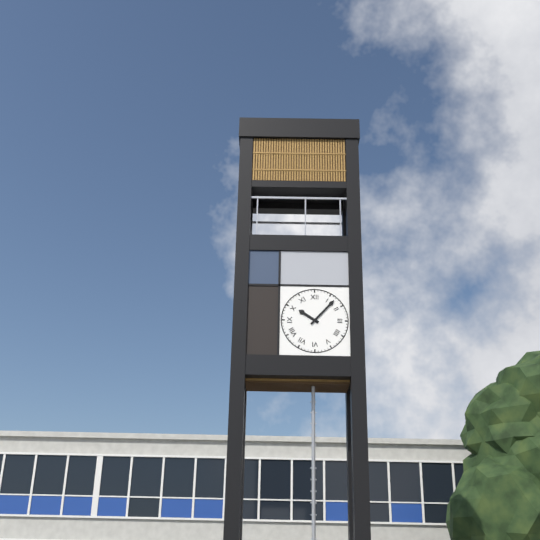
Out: 10:07
